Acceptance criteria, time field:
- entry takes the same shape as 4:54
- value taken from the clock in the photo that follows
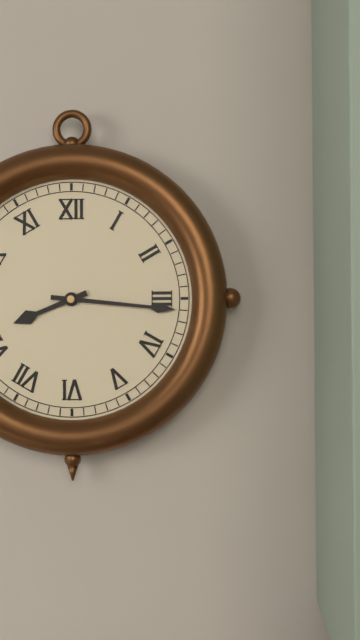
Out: 8:16
